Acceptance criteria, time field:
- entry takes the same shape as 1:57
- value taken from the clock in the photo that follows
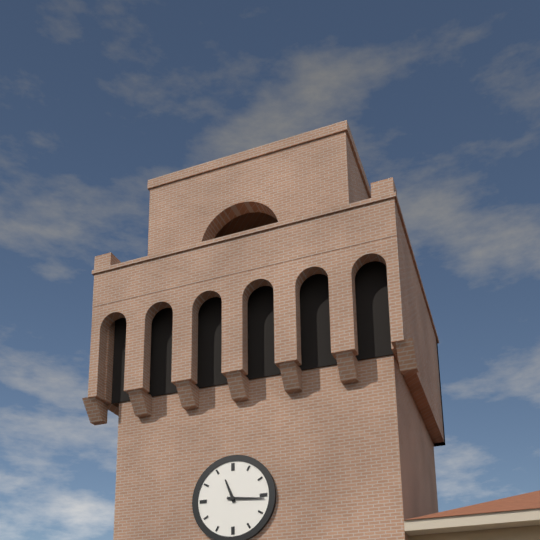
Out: 11:16
